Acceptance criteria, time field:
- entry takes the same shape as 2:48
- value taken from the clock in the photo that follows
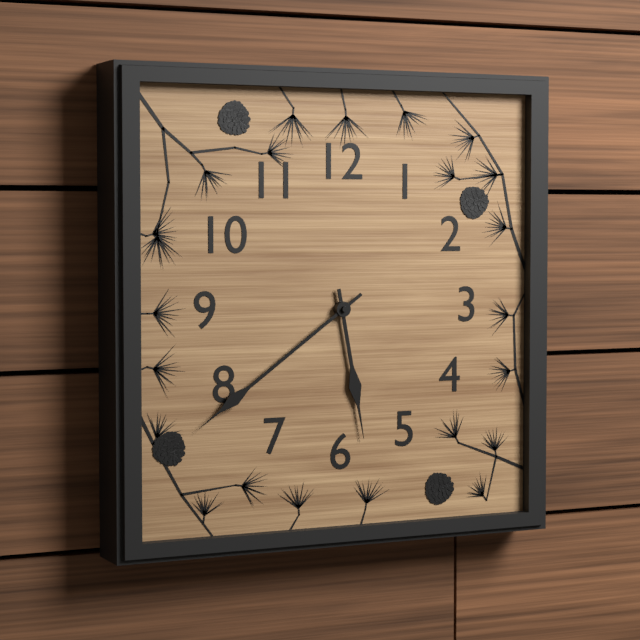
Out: 5:39
